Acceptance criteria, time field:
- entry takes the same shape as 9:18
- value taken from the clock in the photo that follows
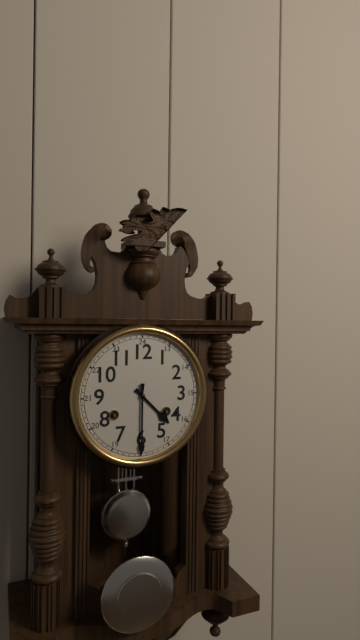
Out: 4:30
